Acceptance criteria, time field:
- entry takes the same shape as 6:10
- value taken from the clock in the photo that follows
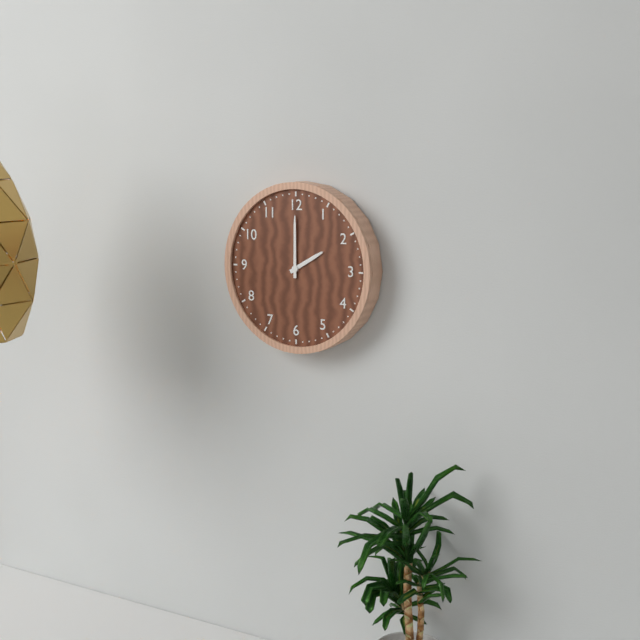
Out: 2:00
